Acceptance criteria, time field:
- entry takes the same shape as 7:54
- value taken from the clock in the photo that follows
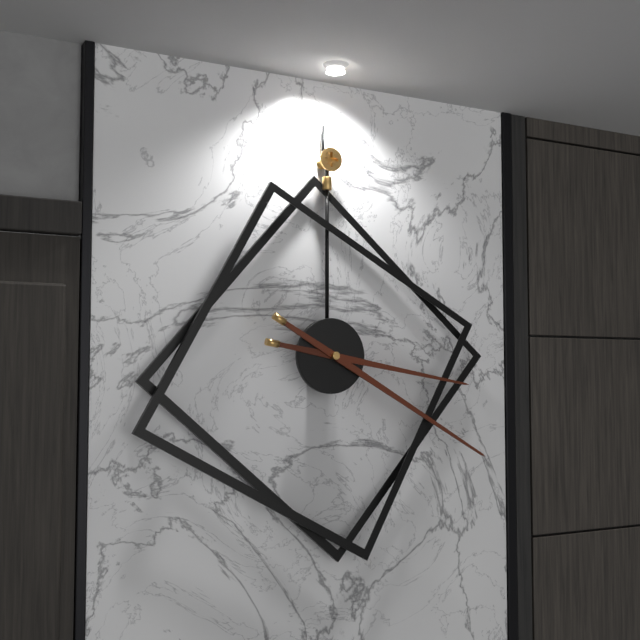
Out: 3:20
